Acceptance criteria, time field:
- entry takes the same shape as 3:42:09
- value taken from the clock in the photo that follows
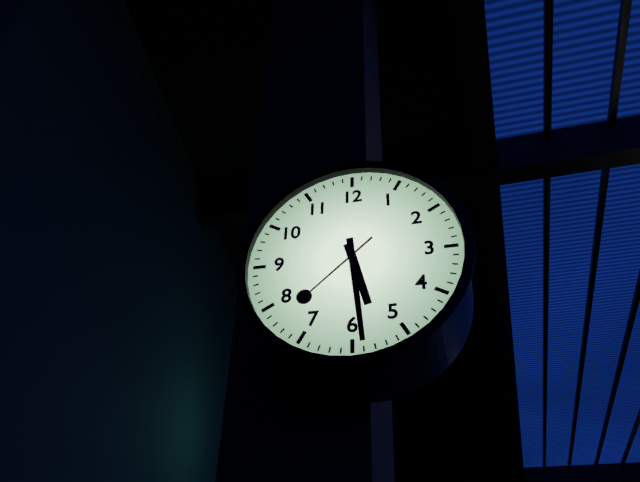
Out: 5:29:38
